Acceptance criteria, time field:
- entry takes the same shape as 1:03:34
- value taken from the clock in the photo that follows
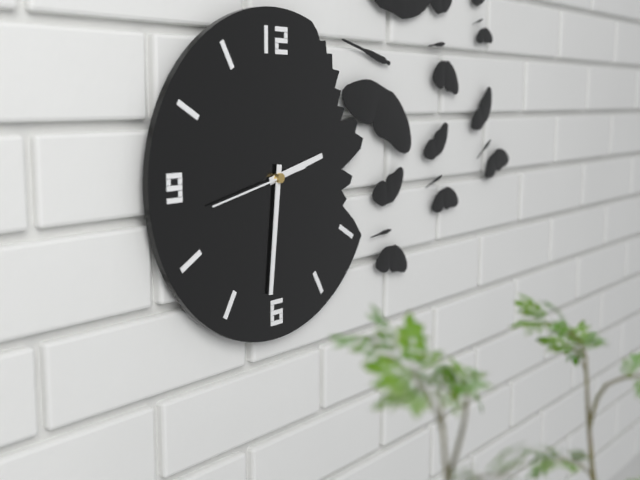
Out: 2:31:43
